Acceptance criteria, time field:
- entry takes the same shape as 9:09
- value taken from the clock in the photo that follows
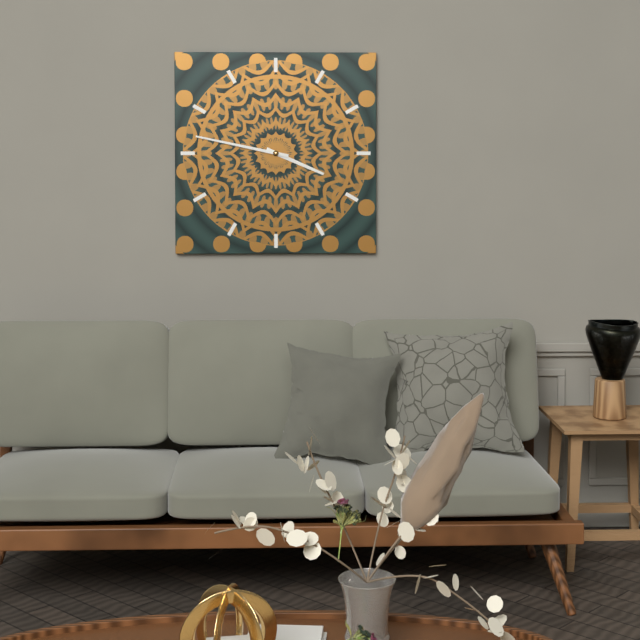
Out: 3:47
